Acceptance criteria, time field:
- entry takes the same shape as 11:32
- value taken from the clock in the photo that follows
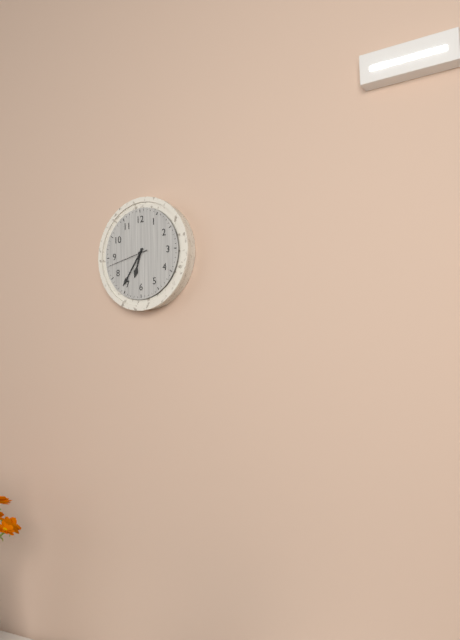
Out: 6:36
